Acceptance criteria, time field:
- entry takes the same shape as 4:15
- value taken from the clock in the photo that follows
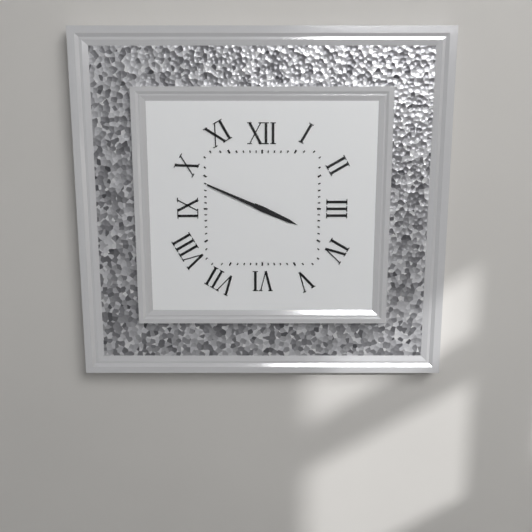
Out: 3:49
